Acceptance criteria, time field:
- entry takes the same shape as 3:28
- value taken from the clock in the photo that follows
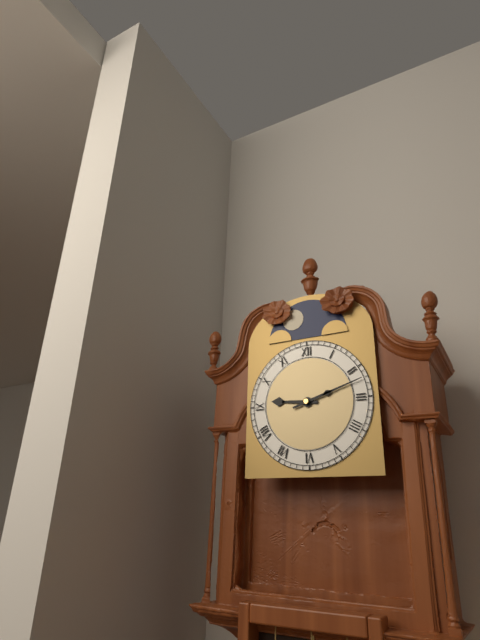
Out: 9:12
